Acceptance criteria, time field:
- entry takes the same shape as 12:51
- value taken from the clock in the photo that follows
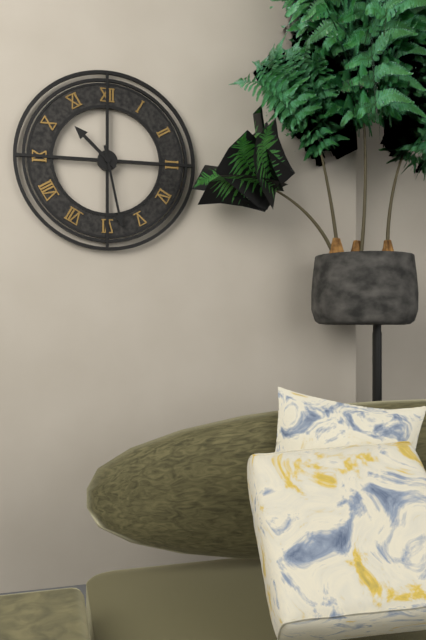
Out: 10:28
